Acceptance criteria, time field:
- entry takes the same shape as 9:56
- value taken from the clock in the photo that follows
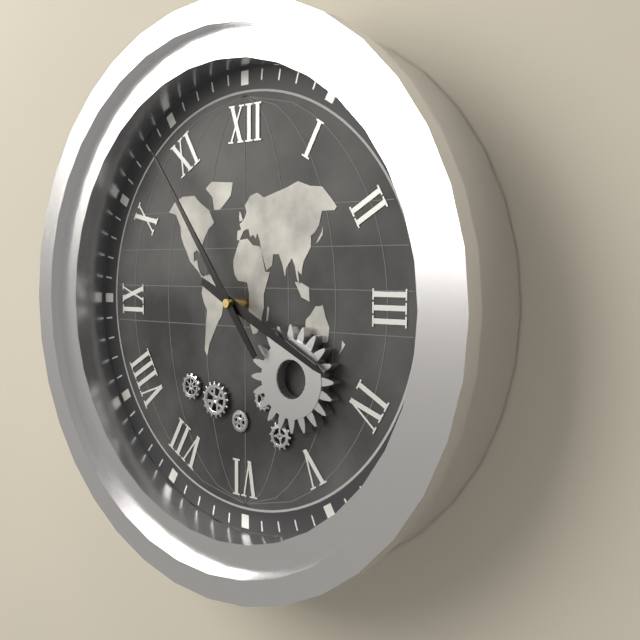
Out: 3:54
